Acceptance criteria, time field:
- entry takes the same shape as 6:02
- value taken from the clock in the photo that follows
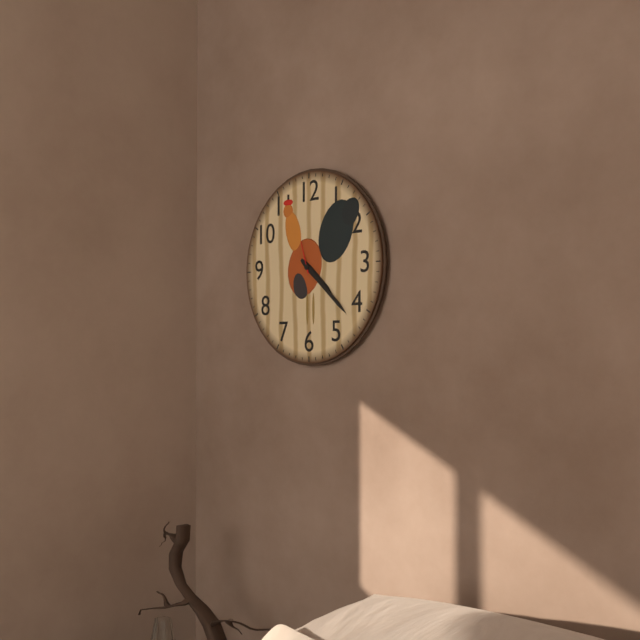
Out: 4:22
